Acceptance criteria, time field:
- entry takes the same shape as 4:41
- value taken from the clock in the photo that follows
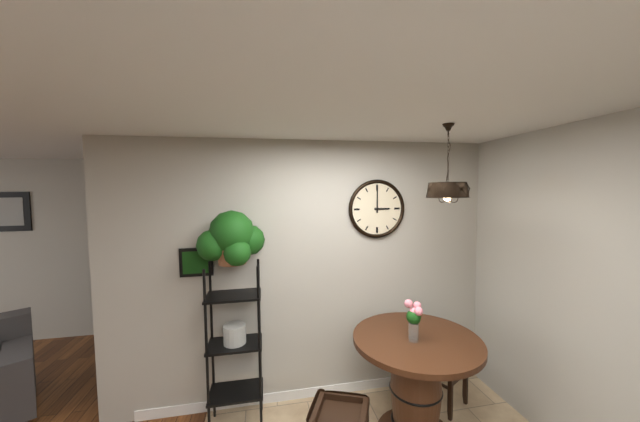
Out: 3:00
